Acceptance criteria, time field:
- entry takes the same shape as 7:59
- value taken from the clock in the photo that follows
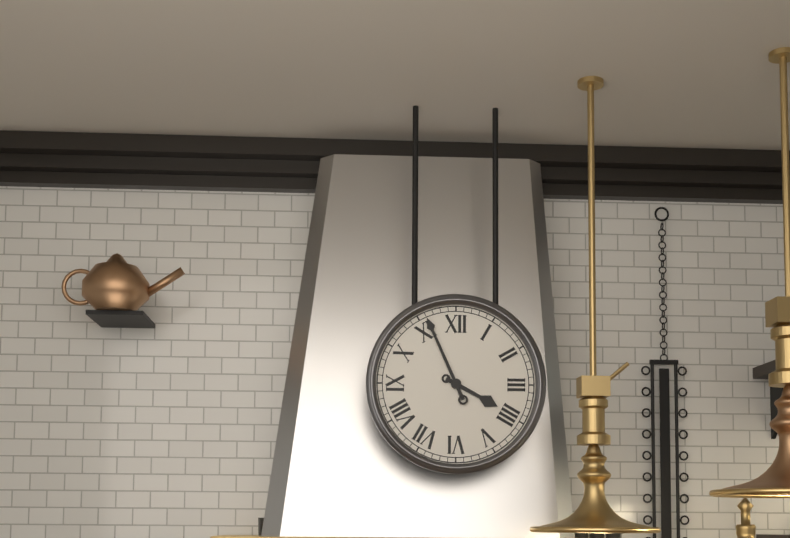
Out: 3:56
